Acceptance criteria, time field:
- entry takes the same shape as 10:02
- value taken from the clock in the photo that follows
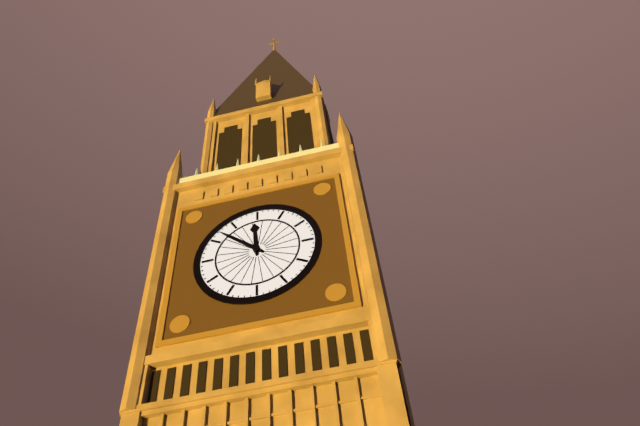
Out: 11:52
